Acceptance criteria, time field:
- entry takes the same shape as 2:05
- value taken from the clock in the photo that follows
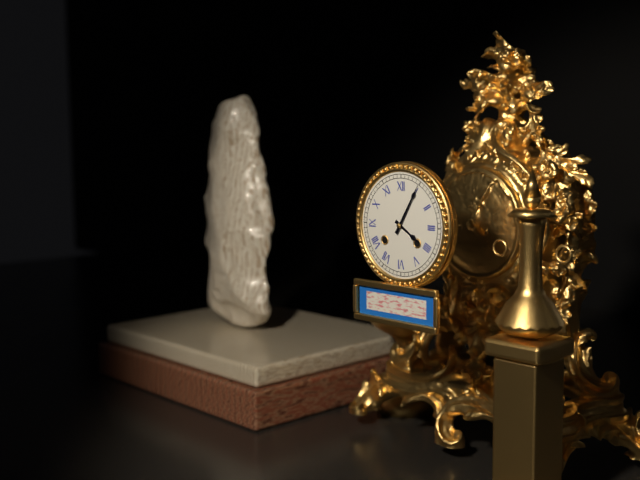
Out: 4:05
